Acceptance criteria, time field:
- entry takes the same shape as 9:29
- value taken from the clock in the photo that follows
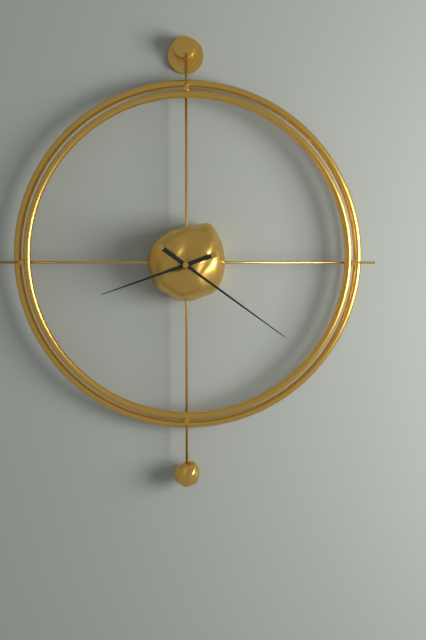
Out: 8:21
